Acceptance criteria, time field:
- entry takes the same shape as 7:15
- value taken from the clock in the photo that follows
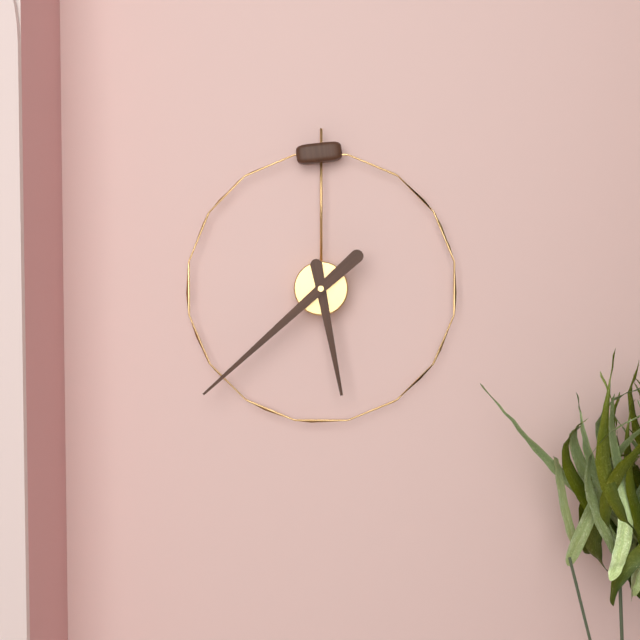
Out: 5:38
